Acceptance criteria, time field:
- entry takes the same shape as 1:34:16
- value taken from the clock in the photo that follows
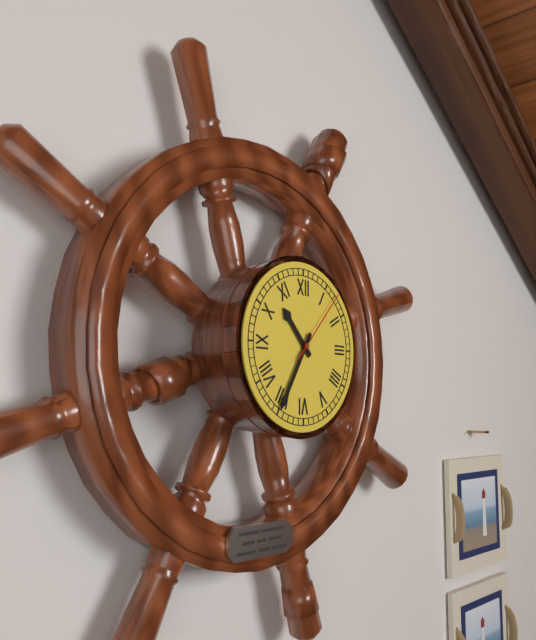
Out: 10:35:07
